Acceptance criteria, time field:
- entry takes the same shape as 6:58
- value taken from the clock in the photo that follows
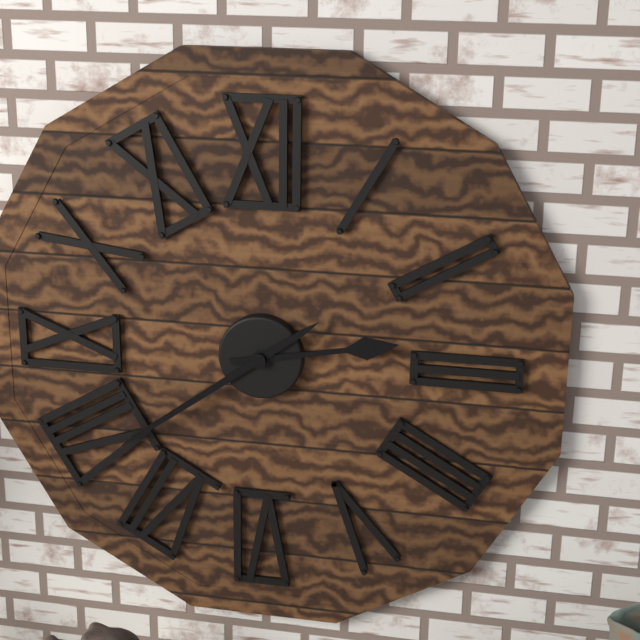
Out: 2:39
